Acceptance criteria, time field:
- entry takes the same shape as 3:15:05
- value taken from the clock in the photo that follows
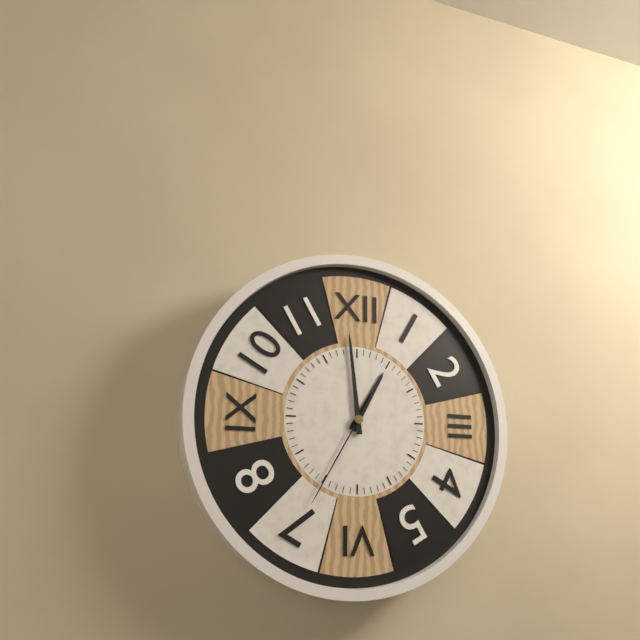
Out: 12:59:35
